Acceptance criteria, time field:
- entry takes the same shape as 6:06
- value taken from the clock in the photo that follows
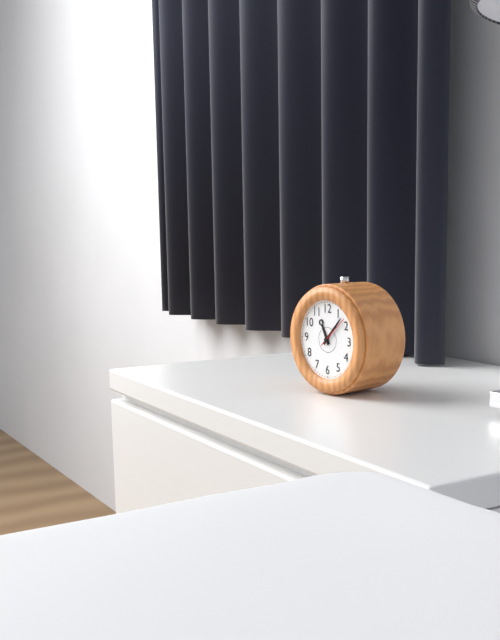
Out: 11:07
